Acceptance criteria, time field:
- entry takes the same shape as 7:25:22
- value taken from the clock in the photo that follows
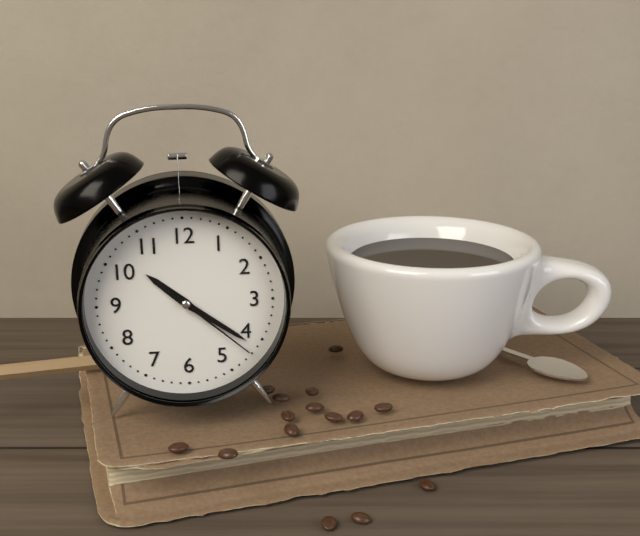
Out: 10:21:22
